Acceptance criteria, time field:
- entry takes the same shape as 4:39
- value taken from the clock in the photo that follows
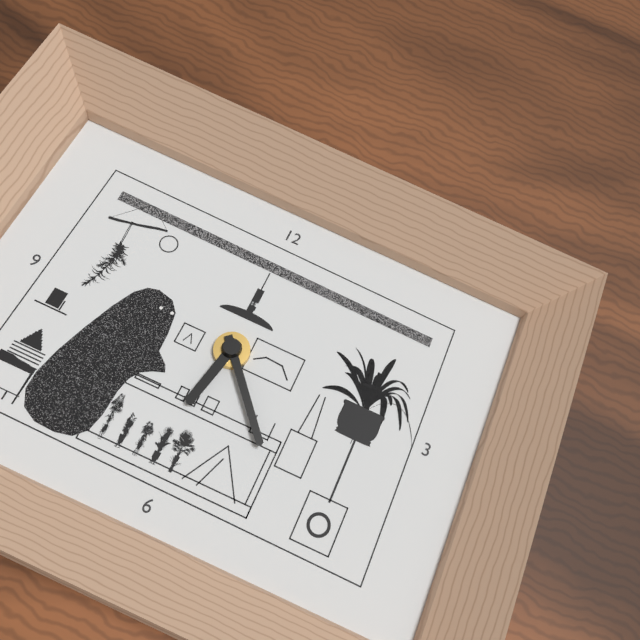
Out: 6:23
